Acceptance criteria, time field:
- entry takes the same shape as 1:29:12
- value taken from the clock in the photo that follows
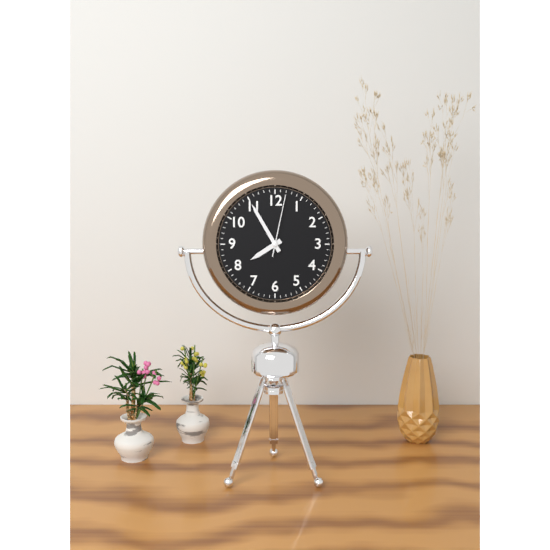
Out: 7:55:02
